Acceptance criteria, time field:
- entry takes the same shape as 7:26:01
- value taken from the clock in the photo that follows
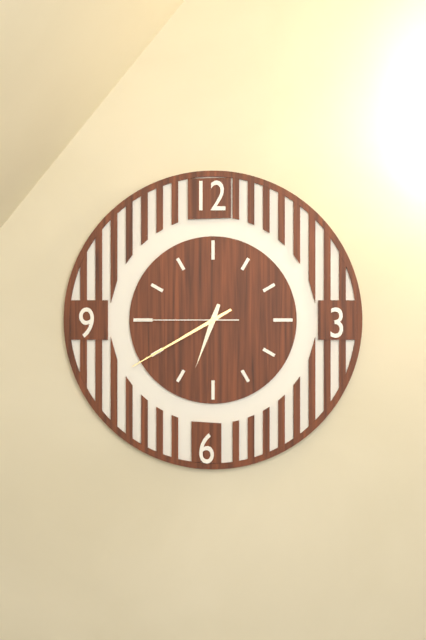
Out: 6:40:45
